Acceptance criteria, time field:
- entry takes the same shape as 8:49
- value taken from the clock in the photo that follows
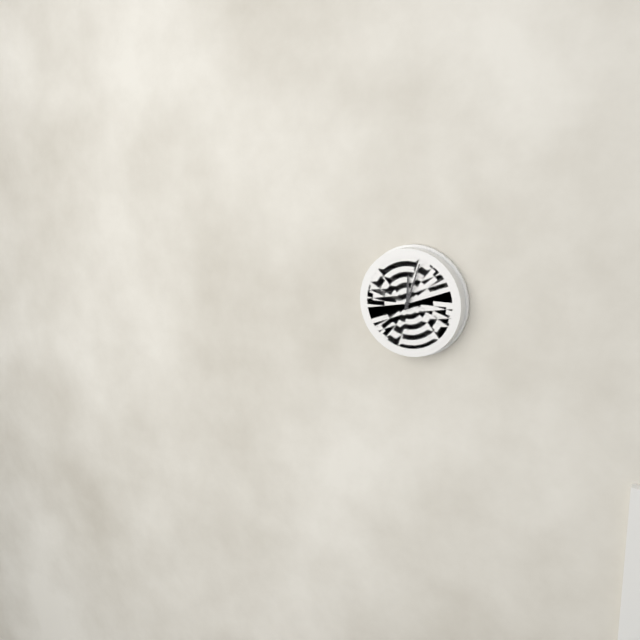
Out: 12:03
